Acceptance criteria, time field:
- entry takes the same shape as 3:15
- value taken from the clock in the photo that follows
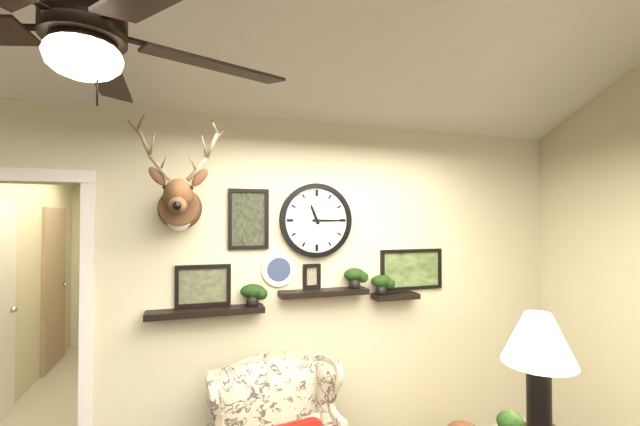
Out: 11:15
